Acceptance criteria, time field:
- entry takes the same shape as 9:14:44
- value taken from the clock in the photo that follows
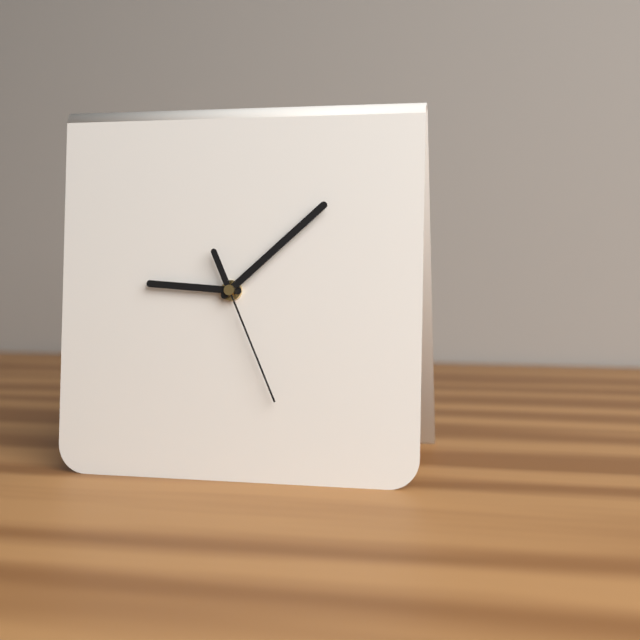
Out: 9:08:26
